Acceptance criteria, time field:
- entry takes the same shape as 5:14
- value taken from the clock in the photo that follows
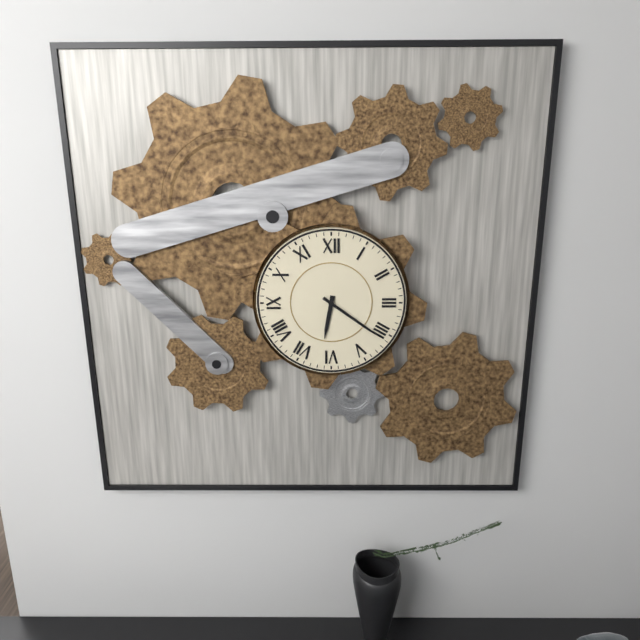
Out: 6:21
